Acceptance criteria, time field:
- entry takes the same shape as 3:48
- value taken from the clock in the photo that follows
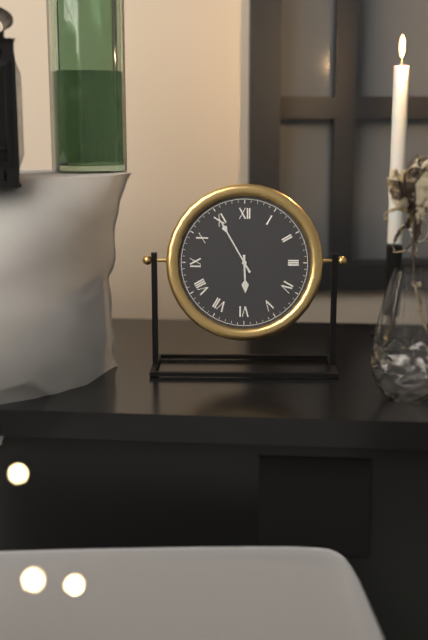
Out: 5:55
